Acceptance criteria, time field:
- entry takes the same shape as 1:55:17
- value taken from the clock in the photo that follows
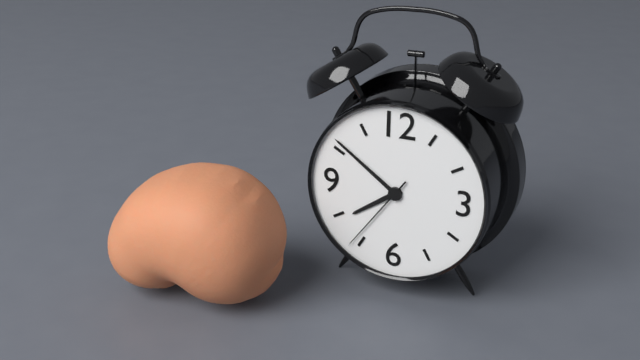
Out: 7:51:36
